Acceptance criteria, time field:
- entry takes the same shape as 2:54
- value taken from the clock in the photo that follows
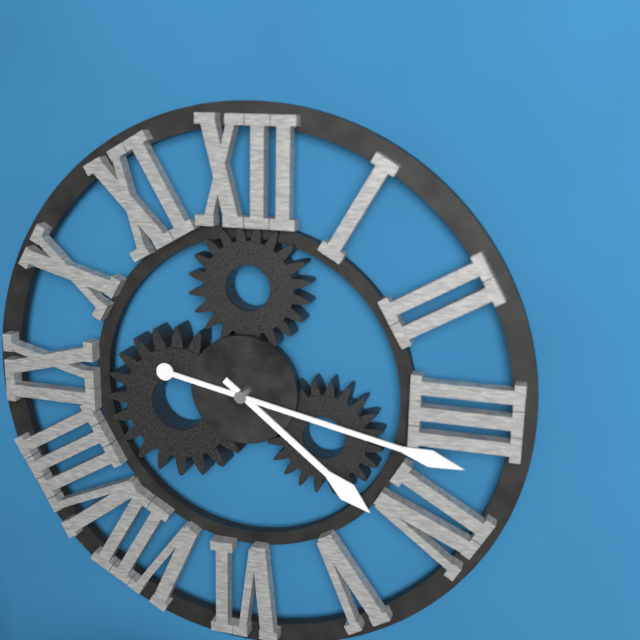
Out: 4:17
